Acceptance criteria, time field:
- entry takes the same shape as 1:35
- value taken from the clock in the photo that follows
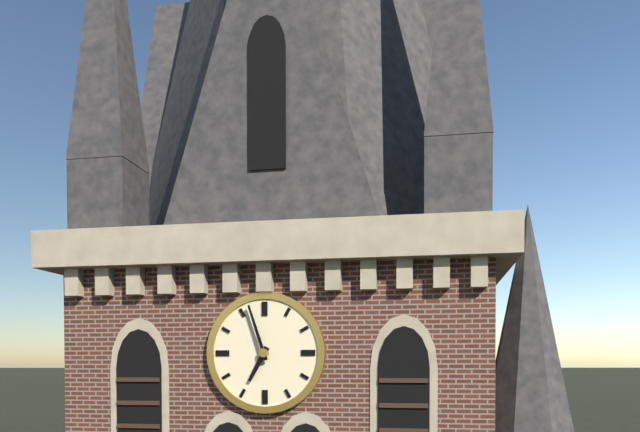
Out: 6:57
